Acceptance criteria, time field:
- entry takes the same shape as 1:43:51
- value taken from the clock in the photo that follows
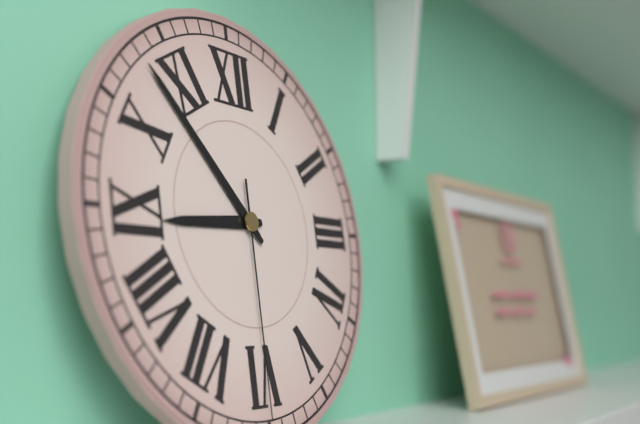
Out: 8:53:30
